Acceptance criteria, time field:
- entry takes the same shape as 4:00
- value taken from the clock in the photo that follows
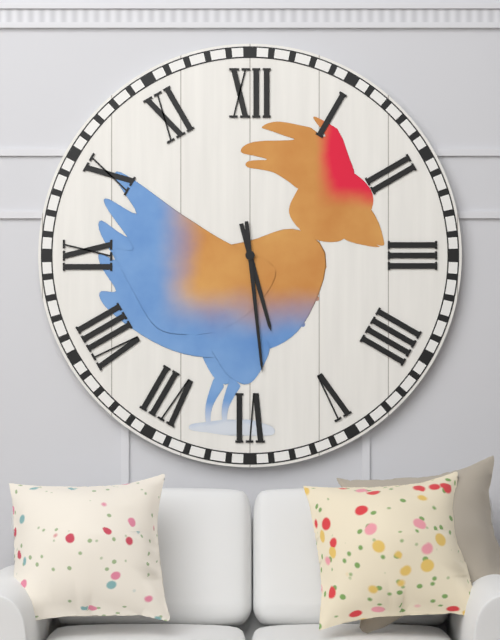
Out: 5:29
